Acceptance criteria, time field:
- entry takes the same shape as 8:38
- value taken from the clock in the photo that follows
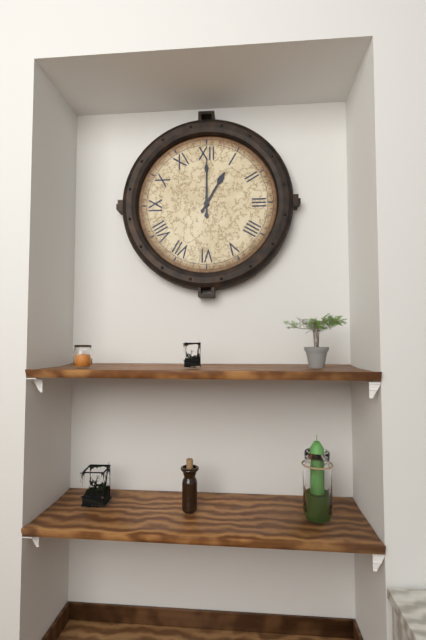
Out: 1:00
